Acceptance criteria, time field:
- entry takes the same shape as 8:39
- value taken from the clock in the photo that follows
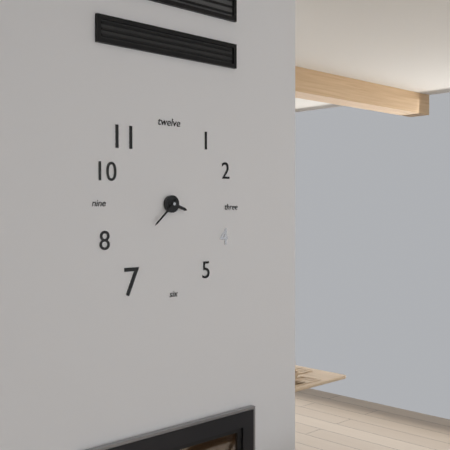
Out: 3:38
